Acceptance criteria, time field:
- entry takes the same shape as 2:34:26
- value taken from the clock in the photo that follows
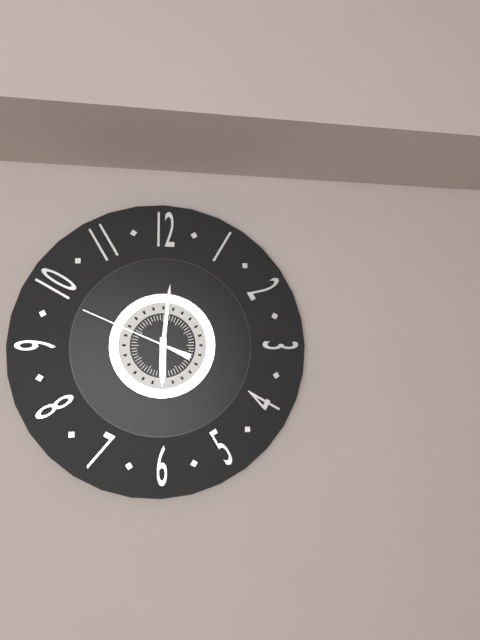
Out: 6:01:49
